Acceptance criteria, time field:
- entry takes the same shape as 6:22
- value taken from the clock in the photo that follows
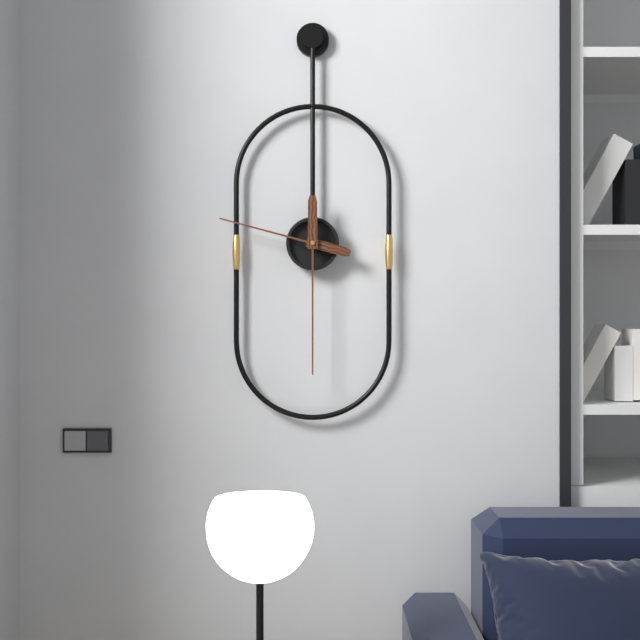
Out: 9:30
